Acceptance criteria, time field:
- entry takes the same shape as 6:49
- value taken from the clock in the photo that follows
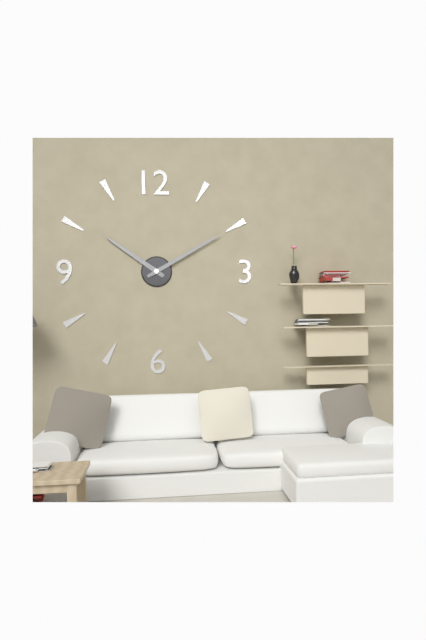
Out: 10:10
